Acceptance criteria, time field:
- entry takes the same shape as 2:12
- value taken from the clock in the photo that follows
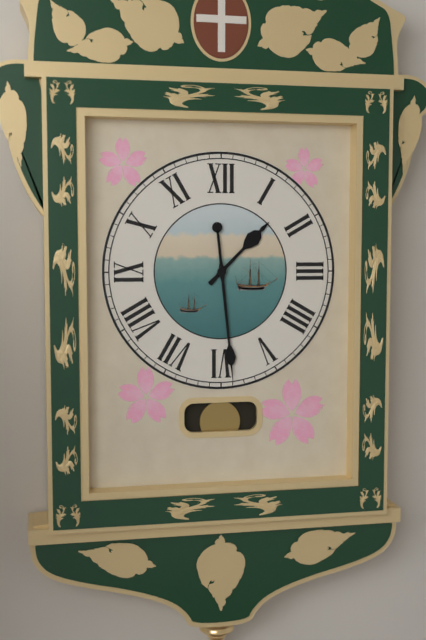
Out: 1:29
